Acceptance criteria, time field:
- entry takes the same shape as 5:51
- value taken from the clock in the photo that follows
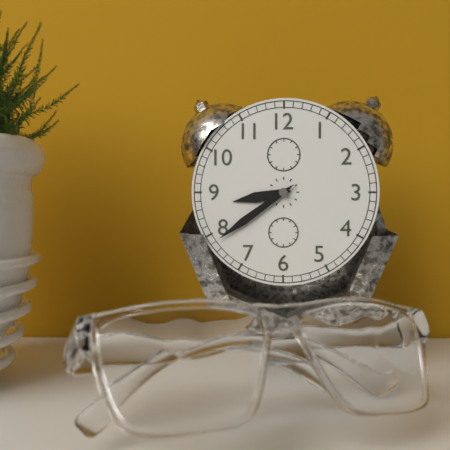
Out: 8:39
